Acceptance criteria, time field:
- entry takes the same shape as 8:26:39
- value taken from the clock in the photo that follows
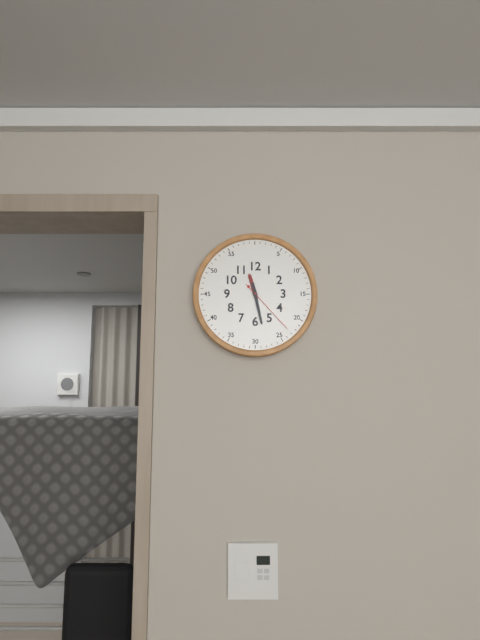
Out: 11:28:23
